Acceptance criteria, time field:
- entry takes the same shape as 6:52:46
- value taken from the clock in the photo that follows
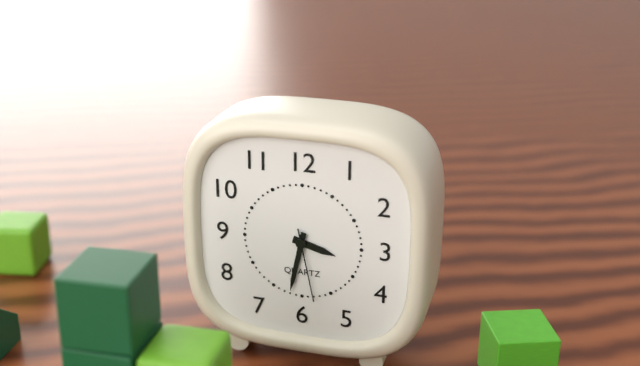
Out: 3:32:28
